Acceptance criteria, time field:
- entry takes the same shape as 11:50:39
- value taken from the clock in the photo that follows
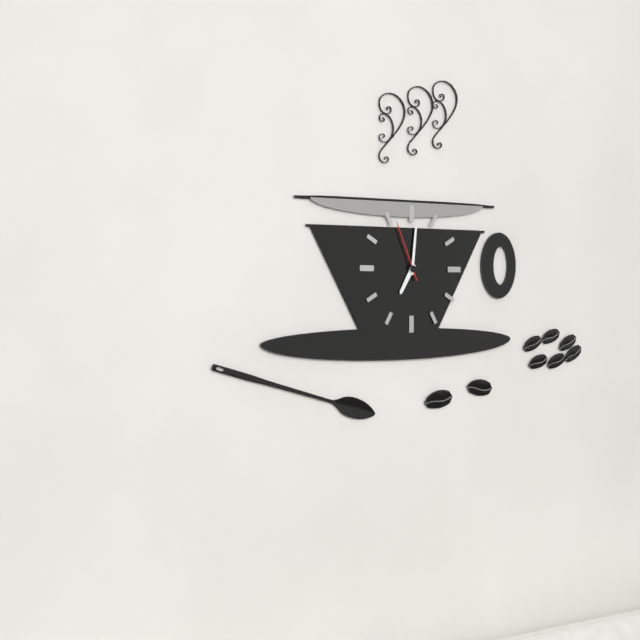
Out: 7:01:56
